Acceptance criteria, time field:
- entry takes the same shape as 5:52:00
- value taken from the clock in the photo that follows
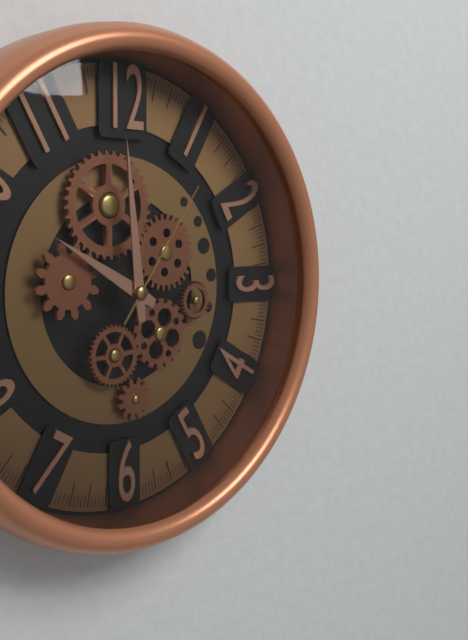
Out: 9:59:06
